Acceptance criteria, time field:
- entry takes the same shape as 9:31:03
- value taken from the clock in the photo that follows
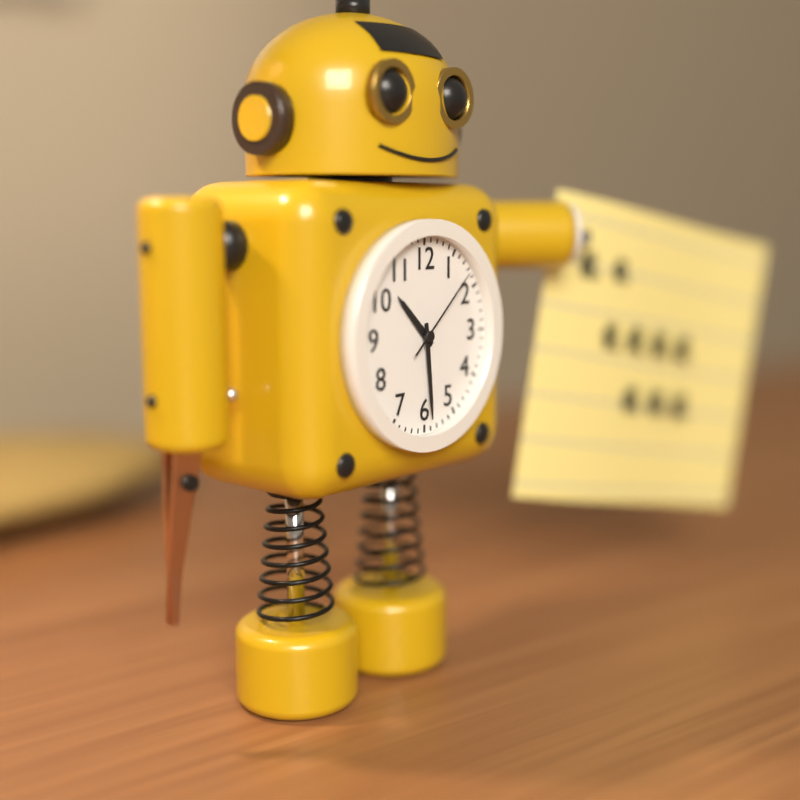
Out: 10:29:08
